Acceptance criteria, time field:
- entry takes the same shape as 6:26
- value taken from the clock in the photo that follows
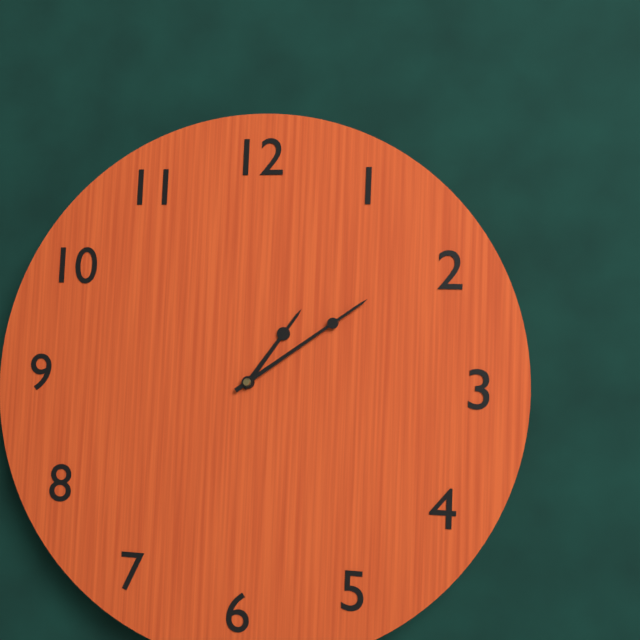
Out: 1:09
